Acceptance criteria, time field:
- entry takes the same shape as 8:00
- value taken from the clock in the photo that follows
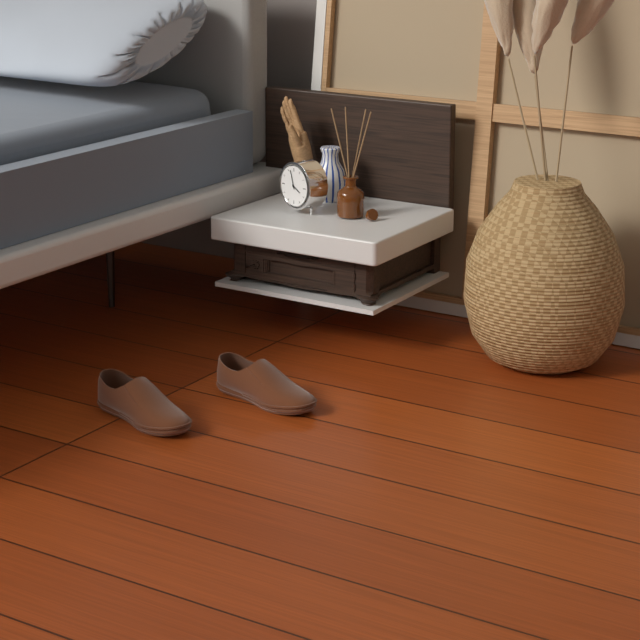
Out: 3:57
